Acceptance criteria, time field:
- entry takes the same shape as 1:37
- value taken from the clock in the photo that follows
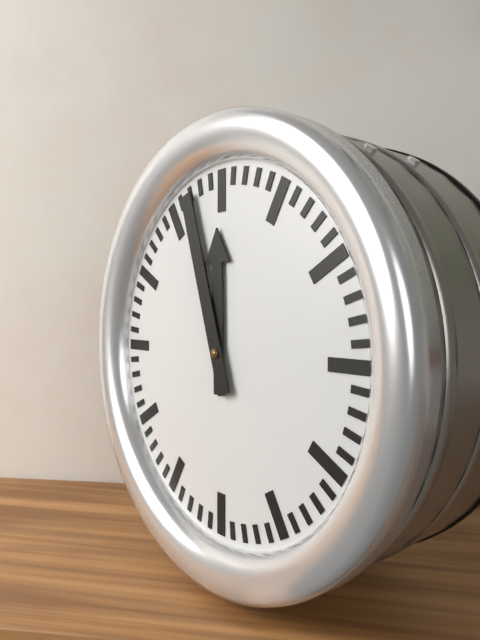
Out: 11:57
